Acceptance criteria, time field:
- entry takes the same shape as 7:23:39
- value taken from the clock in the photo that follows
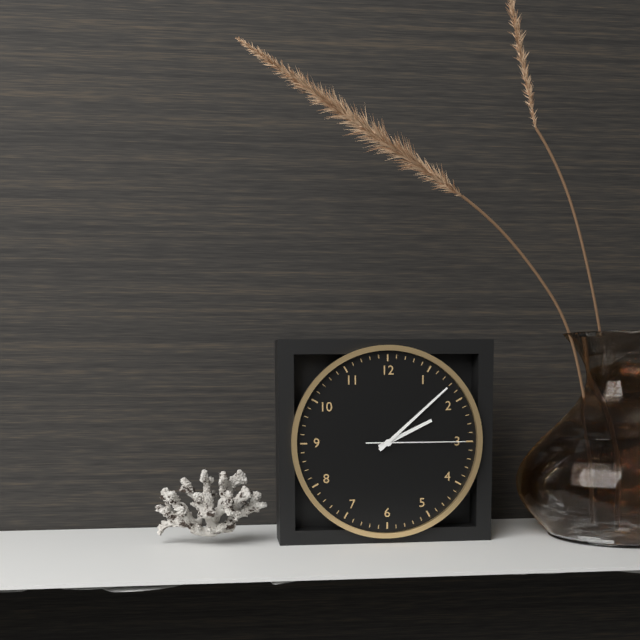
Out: 2:08:15
